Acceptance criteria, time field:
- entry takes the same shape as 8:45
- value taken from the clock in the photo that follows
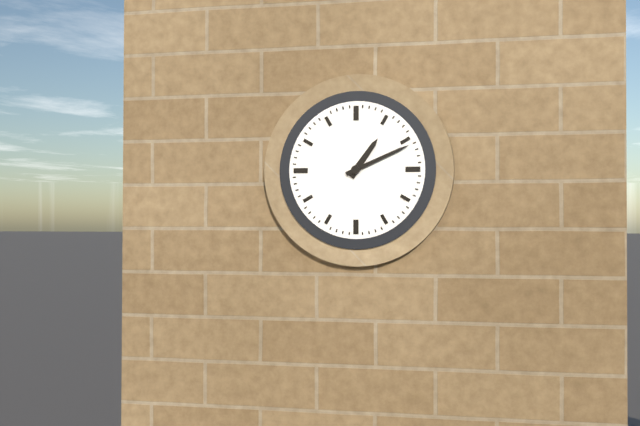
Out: 1:11
